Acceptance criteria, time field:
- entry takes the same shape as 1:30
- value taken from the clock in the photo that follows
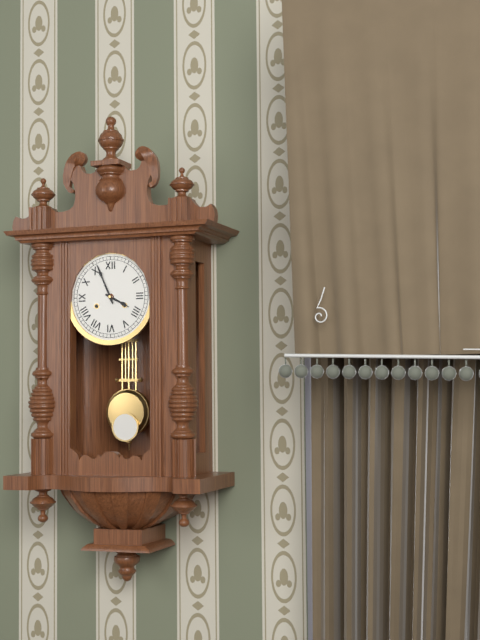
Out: 3:56
